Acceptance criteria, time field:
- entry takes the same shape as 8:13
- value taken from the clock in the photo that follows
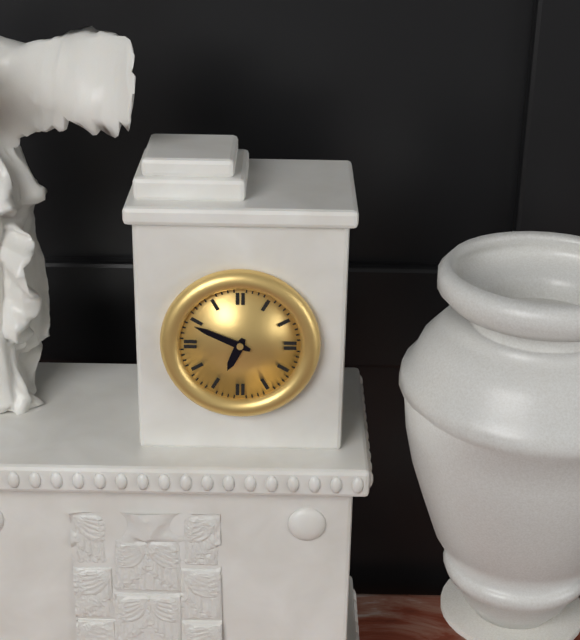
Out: 6:49
